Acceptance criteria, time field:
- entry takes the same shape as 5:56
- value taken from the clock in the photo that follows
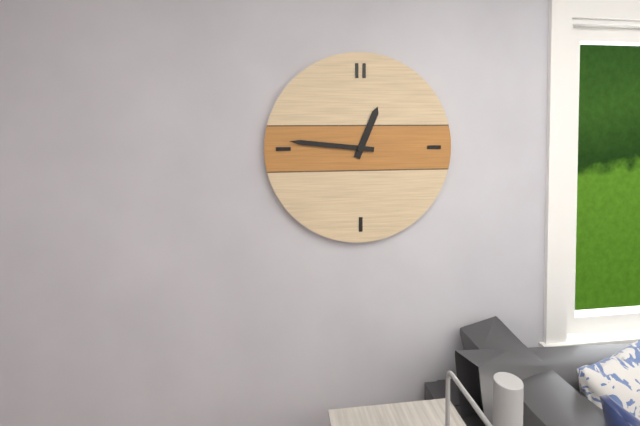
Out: 12:46
